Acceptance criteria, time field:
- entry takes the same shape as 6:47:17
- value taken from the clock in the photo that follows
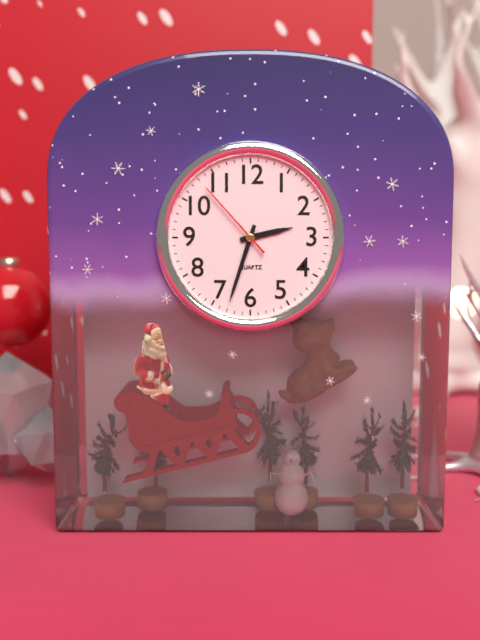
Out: 2:33:53
